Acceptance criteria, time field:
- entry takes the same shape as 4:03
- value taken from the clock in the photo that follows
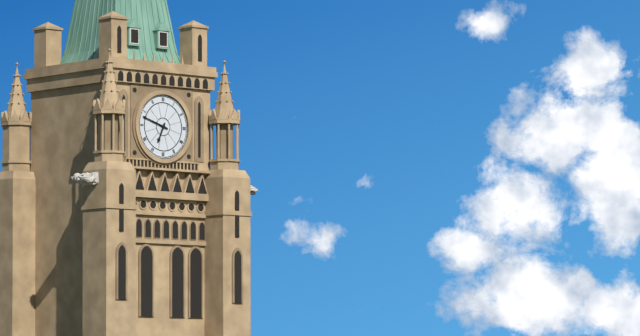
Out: 6:48
